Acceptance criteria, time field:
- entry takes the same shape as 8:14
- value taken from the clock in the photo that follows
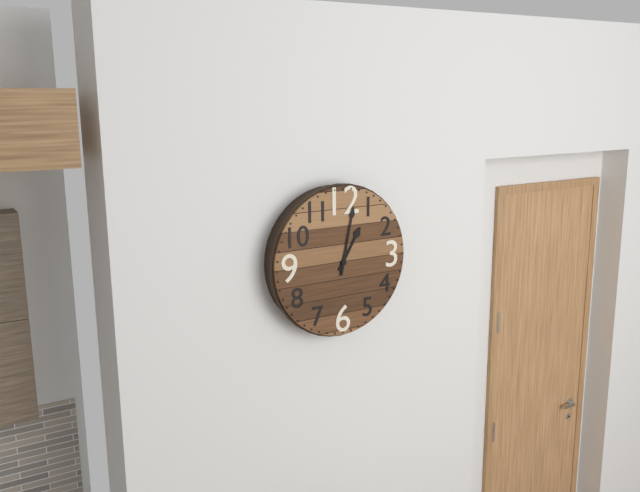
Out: 1:02
